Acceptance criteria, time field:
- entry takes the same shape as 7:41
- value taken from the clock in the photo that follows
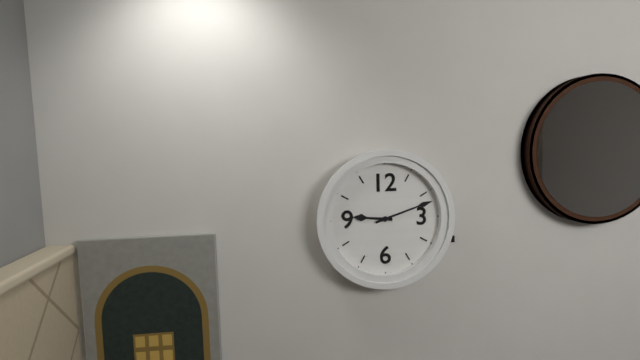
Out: 9:12
